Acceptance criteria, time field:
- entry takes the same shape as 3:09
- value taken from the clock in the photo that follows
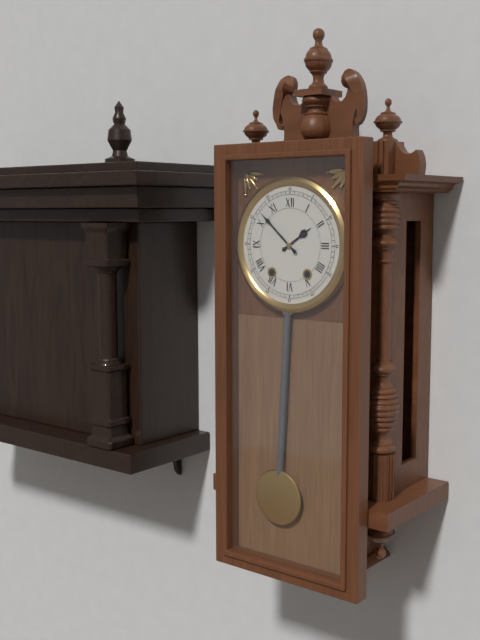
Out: 1:52
